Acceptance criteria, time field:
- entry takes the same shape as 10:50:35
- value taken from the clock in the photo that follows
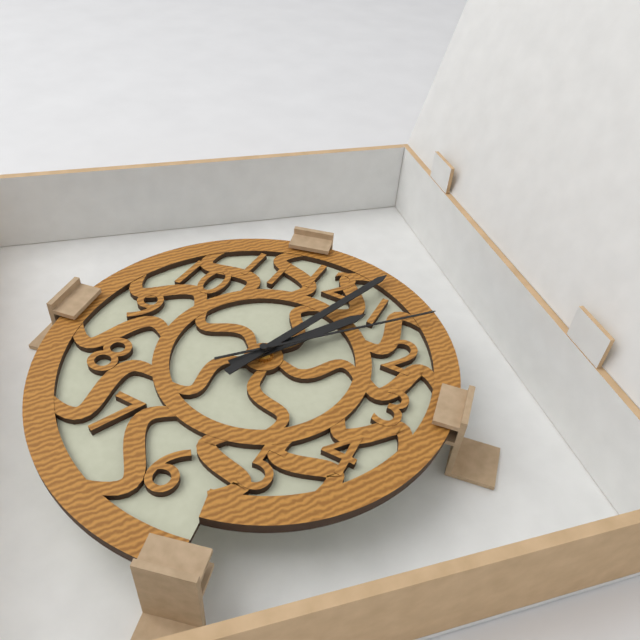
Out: 1:03:07
